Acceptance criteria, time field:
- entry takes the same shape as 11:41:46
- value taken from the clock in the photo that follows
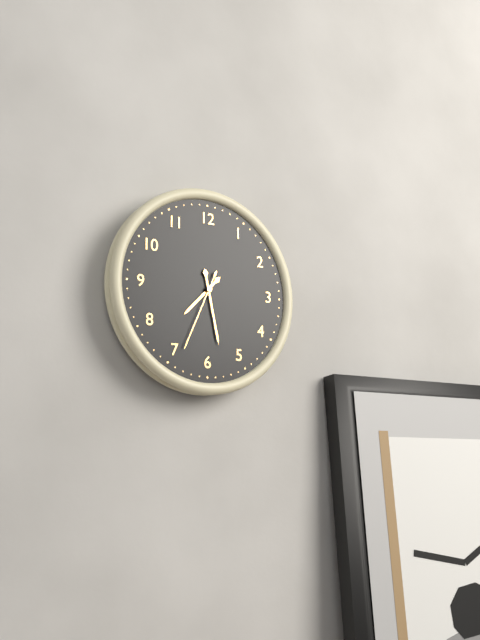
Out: 7:28:34
